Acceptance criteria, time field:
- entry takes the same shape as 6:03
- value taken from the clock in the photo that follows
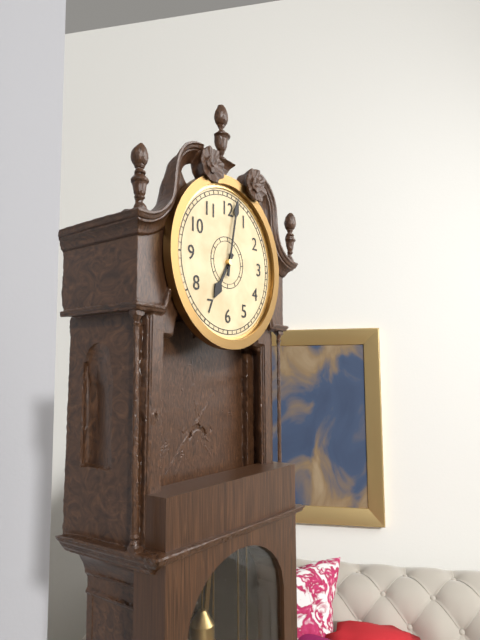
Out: 7:02
